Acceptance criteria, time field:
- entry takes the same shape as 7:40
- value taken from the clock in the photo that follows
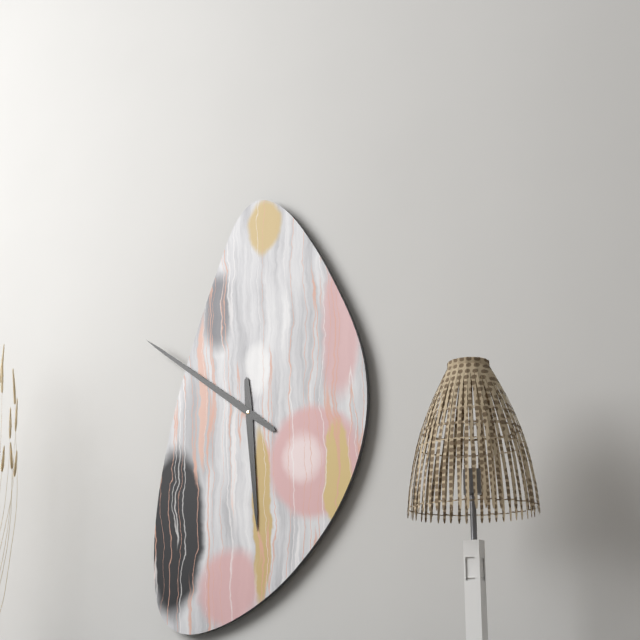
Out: 5:51
